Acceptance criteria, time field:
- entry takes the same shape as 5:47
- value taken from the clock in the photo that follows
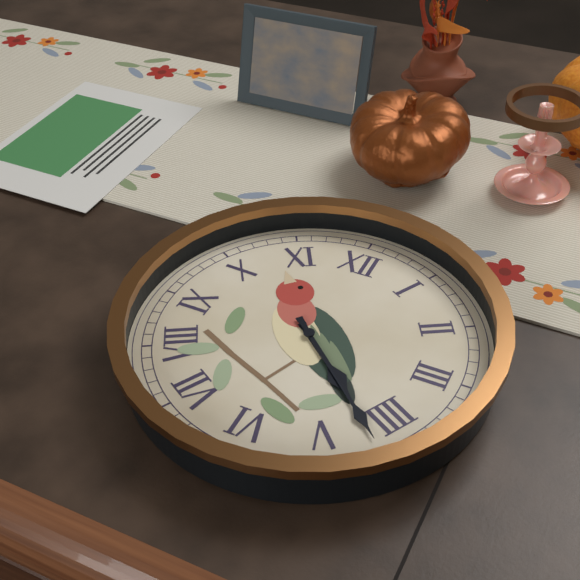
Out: 4:22
